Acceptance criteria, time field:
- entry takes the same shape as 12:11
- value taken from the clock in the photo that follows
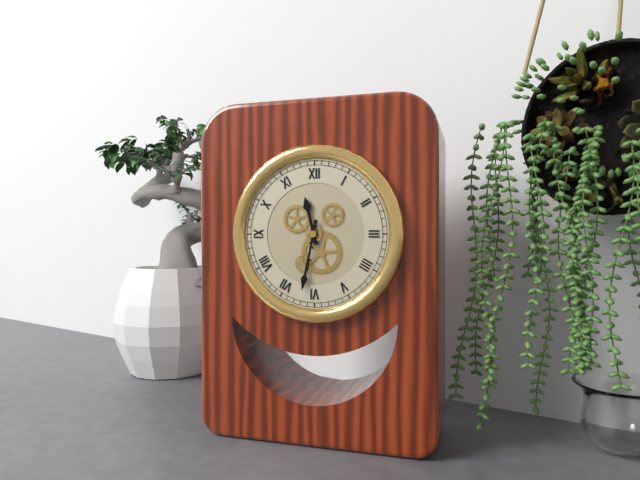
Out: 11:32
